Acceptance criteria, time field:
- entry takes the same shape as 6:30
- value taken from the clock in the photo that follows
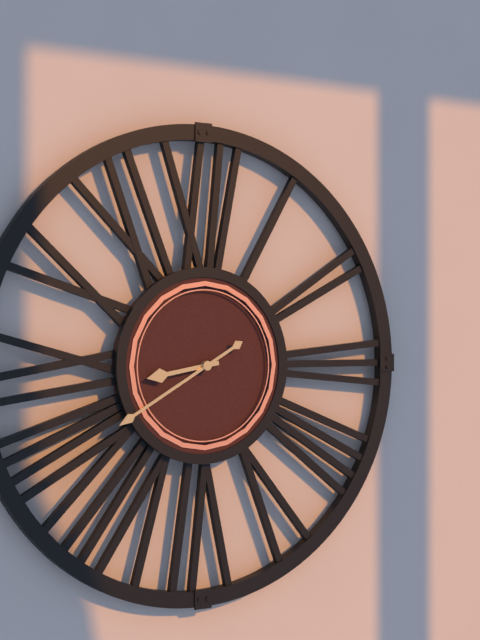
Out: 8:40
